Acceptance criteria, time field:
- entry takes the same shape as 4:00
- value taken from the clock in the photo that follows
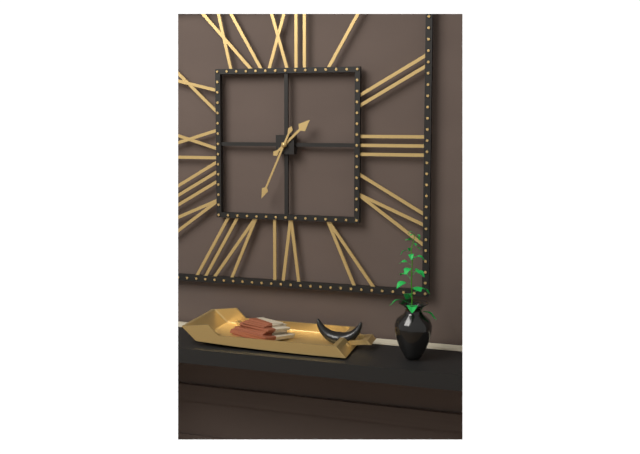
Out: 1:34
